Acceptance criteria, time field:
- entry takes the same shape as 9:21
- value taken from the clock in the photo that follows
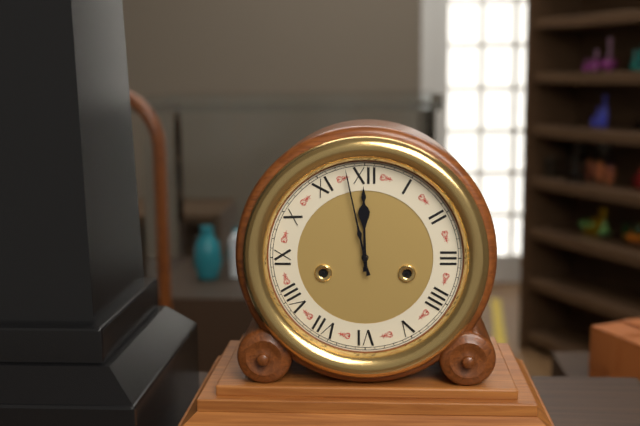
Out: 11:58
